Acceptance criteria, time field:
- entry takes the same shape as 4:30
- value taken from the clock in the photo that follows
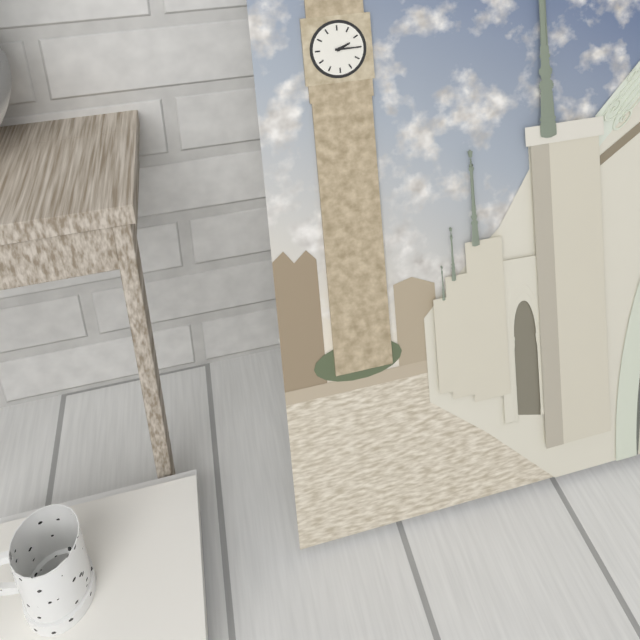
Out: 2:15
